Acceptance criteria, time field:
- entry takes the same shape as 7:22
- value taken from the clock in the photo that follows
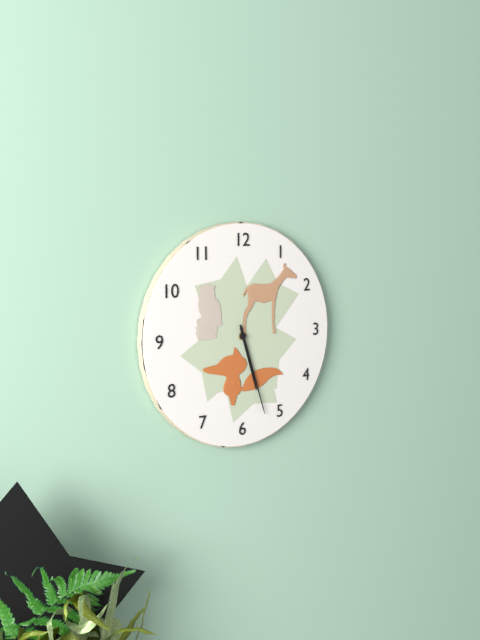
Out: 5:27
